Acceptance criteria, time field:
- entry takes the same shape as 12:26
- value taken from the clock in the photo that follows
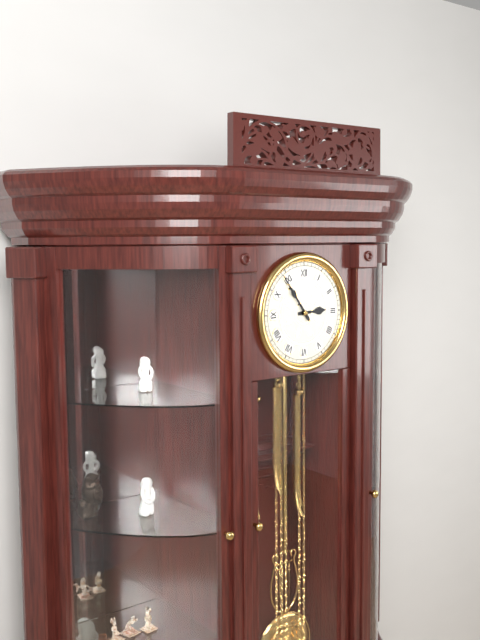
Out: 2:54
